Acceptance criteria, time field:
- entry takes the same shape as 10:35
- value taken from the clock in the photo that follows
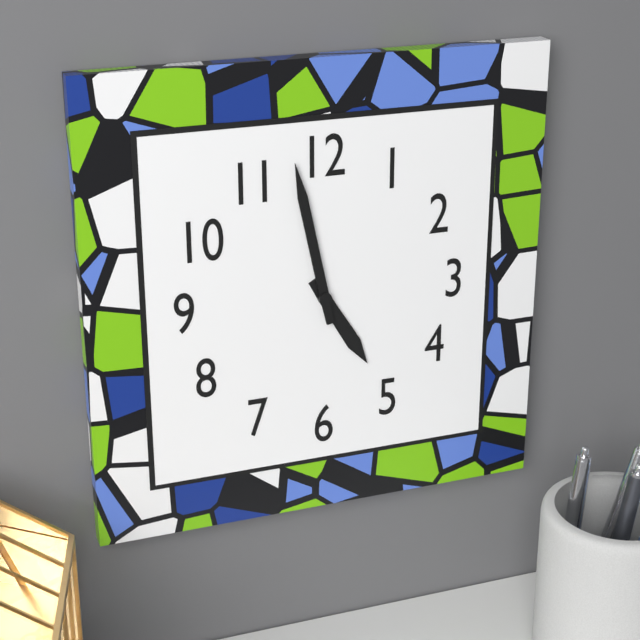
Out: 4:58
